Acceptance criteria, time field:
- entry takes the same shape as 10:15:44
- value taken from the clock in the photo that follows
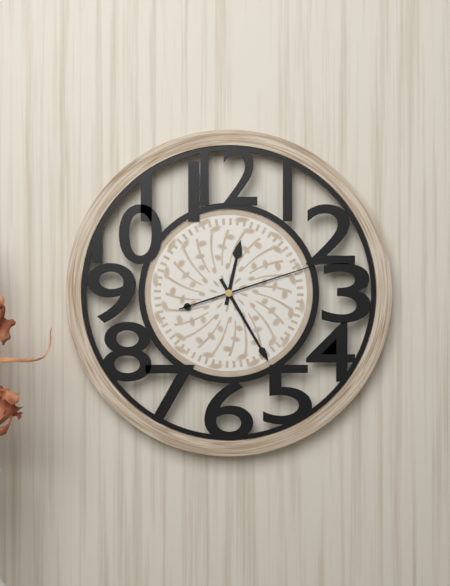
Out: 12:25:12
